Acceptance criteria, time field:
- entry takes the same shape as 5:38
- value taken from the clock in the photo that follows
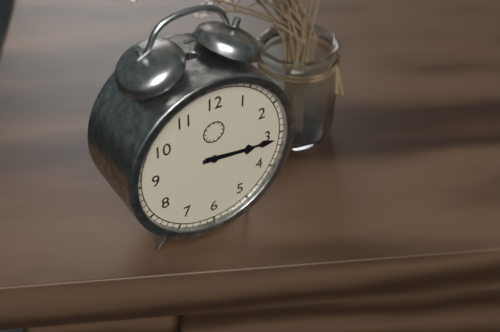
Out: 3:16
